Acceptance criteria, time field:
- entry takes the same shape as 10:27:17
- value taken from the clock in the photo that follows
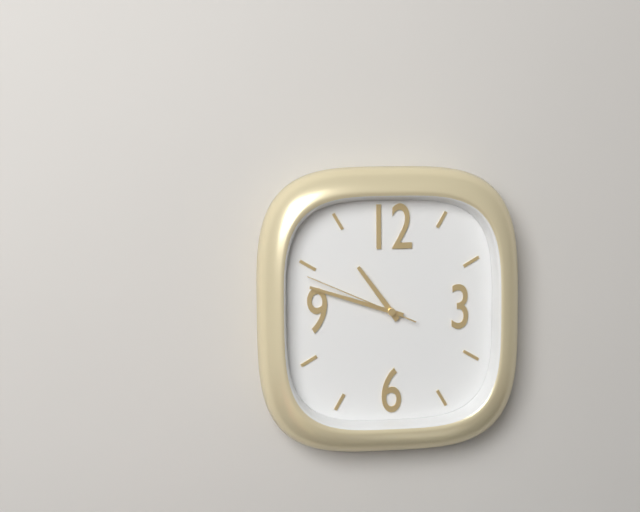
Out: 10:48:49
